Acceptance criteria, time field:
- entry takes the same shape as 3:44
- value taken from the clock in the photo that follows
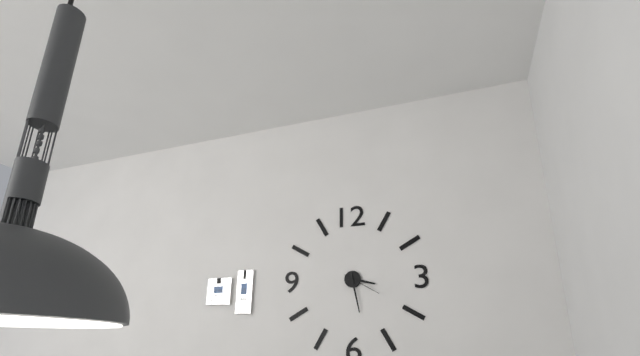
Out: 3:28
